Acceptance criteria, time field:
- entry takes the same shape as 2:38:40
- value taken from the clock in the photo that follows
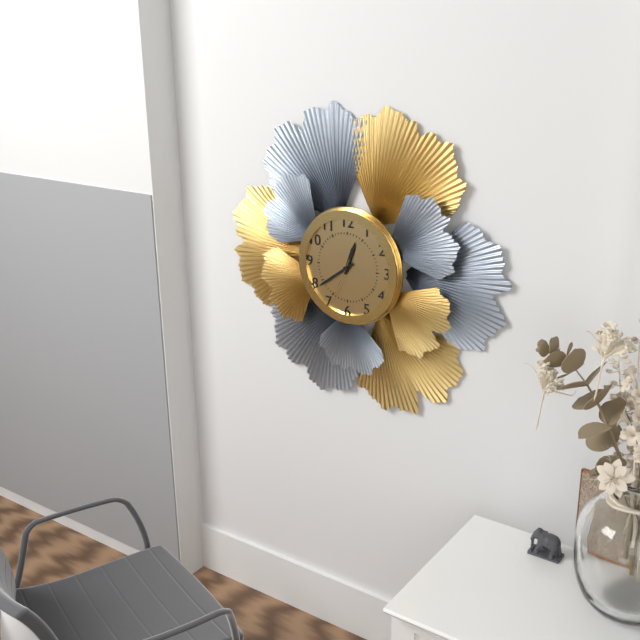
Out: 12:39:34
